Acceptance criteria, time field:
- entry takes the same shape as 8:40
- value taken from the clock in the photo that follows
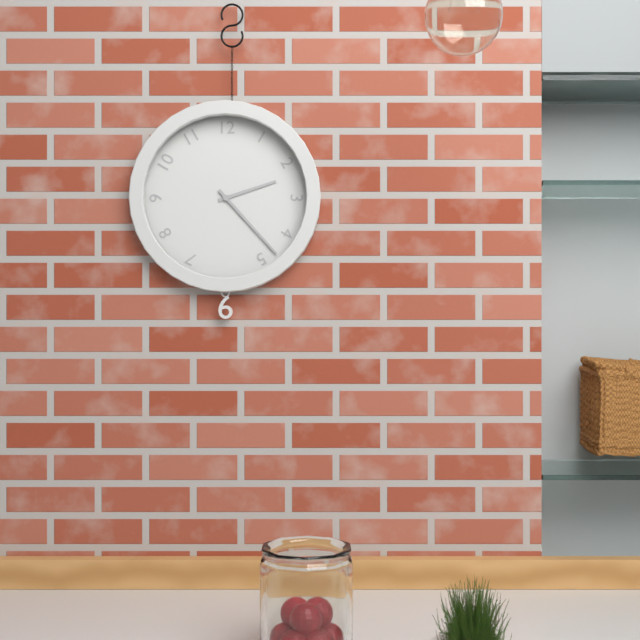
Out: 2:23
